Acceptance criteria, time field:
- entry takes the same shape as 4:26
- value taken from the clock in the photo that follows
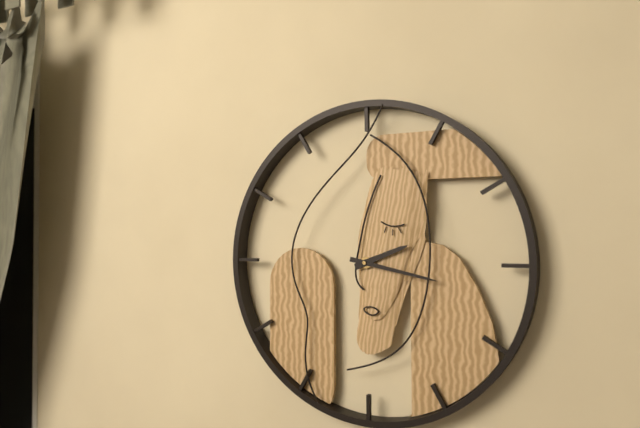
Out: 2:17
